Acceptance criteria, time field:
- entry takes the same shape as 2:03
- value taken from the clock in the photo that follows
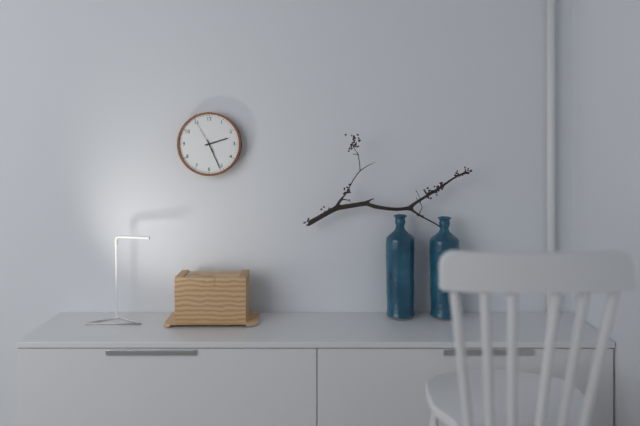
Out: 2:26
